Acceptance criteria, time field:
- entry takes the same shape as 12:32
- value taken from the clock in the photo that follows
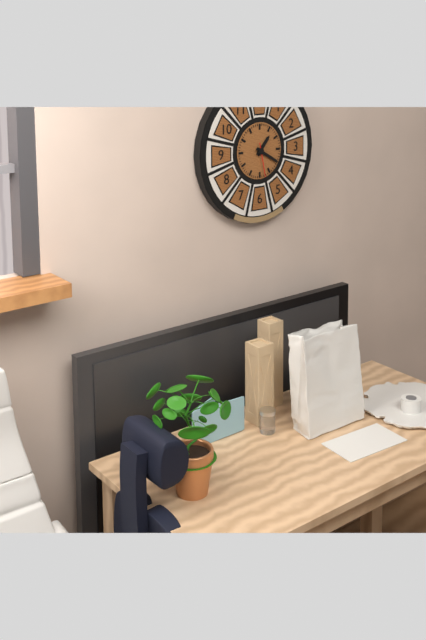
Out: 1:20
